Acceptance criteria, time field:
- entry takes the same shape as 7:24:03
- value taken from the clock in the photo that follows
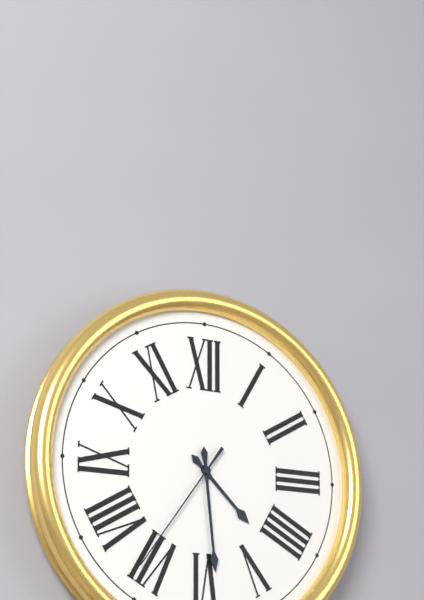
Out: 4:29:36
